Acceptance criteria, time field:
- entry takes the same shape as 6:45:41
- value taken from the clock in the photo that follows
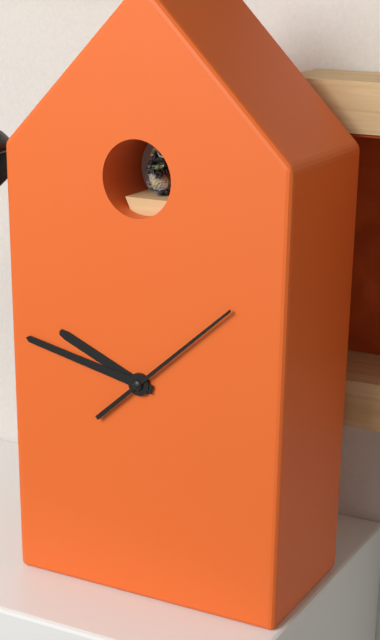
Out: 9:47:08
